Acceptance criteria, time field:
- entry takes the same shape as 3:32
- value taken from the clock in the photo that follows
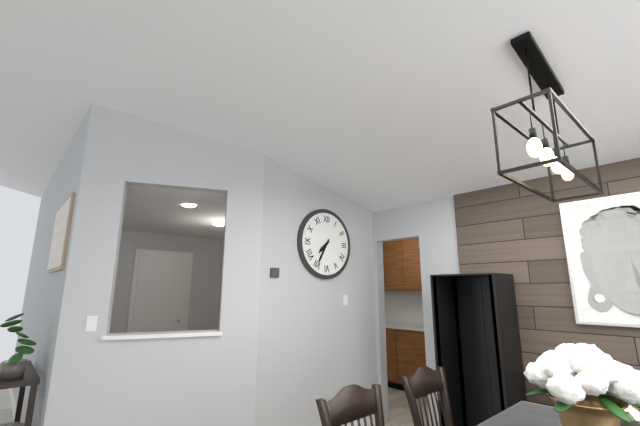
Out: 7:35
